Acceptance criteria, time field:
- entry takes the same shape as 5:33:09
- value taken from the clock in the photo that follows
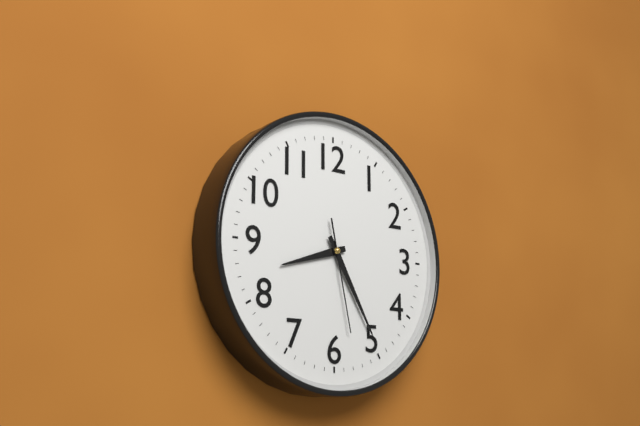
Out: 8:25:28
